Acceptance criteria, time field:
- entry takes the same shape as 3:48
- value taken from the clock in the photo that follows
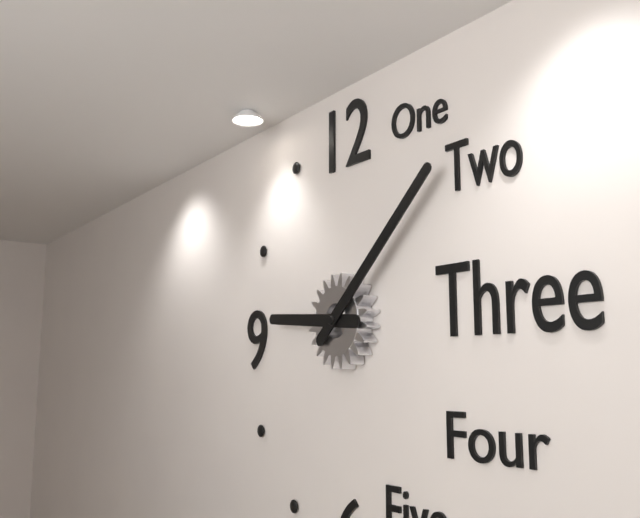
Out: 9:08
